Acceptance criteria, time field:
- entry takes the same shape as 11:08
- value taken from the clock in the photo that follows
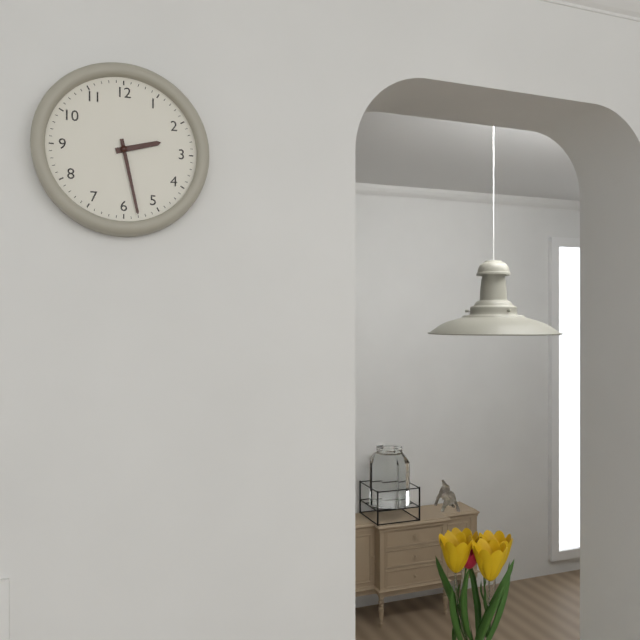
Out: 2:28
